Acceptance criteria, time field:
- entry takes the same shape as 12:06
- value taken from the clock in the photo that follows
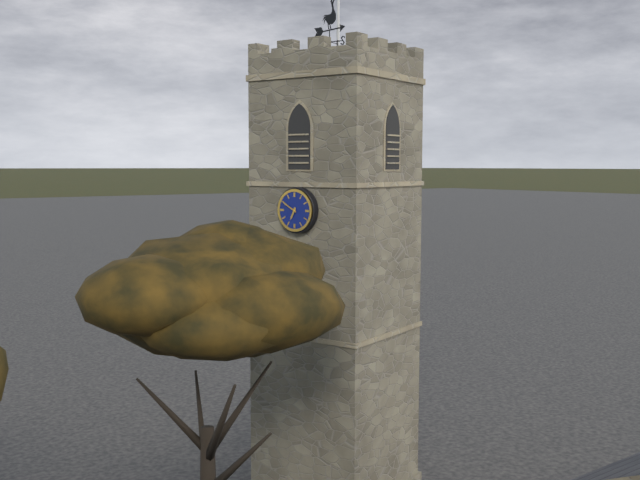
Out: 6:50
